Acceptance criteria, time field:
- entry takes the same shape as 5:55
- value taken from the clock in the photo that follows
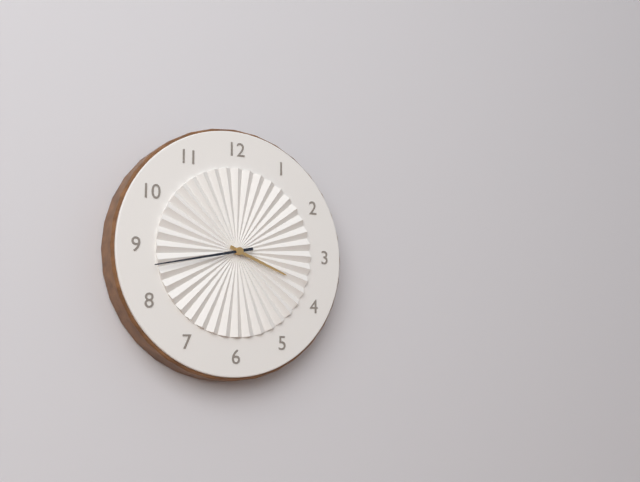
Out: 3:43
